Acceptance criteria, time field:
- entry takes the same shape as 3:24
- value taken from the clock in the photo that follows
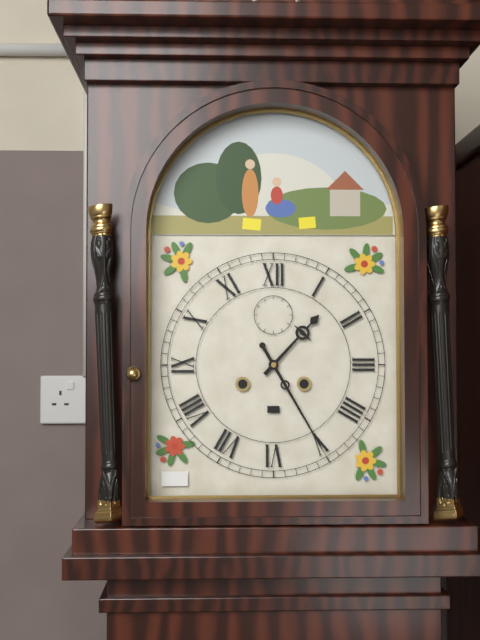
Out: 1:25
